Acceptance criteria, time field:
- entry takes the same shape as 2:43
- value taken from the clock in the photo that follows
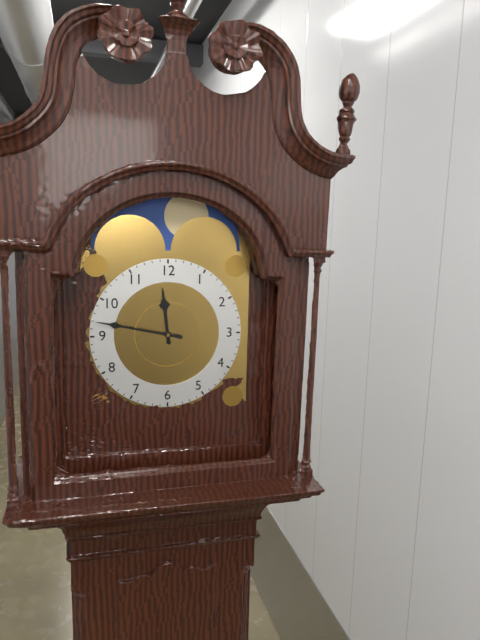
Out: 11:47
